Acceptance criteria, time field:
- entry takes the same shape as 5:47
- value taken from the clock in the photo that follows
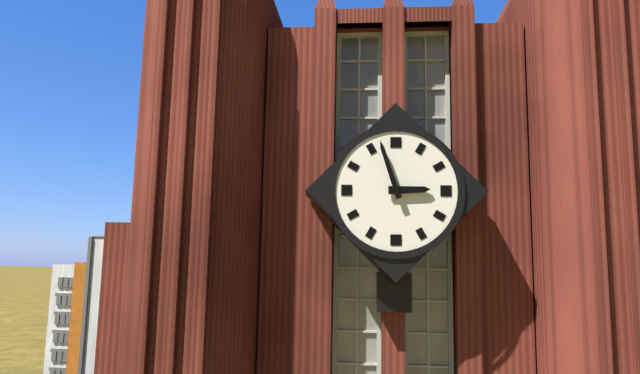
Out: 2:57
